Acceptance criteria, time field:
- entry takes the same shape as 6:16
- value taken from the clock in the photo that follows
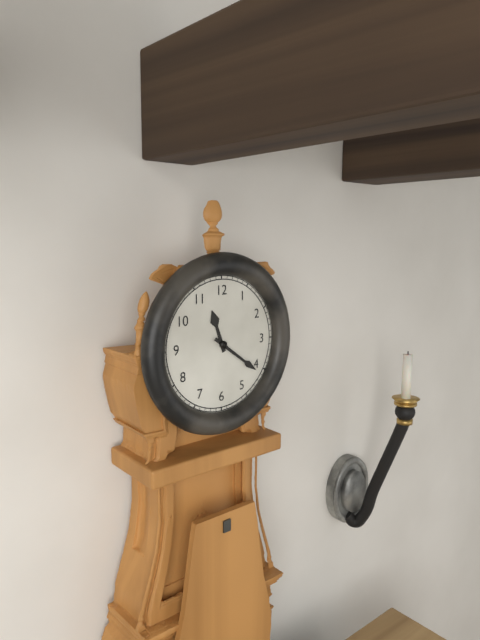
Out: 11:21
